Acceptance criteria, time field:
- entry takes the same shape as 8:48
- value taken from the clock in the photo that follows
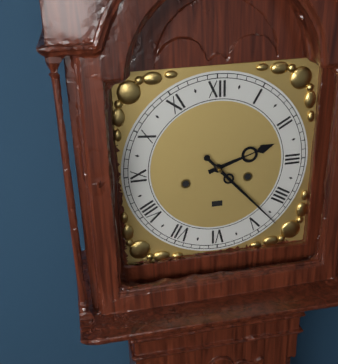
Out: 2:23
